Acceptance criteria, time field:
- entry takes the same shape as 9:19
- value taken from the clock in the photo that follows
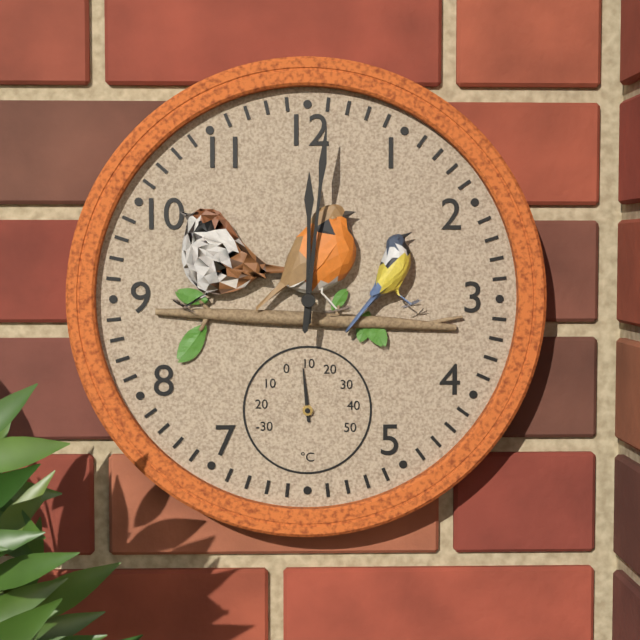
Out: 12:01
